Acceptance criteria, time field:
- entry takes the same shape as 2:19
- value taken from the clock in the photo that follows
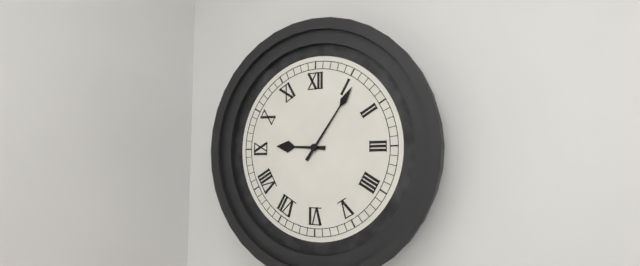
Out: 9:06
